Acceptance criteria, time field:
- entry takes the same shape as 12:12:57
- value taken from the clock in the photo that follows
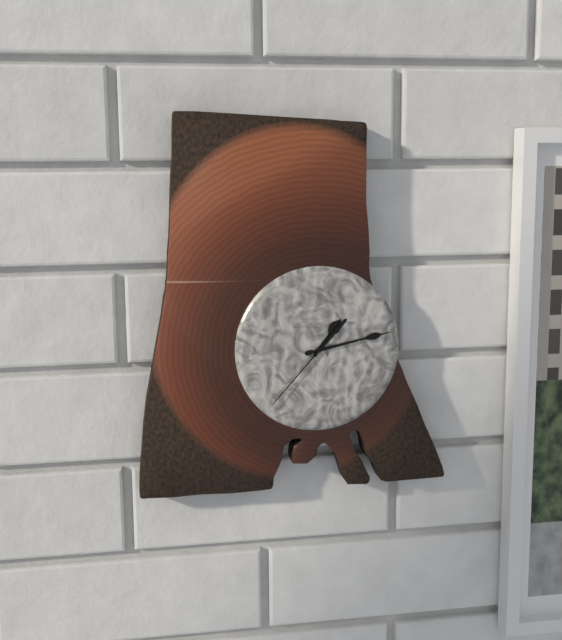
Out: 1:13:37
